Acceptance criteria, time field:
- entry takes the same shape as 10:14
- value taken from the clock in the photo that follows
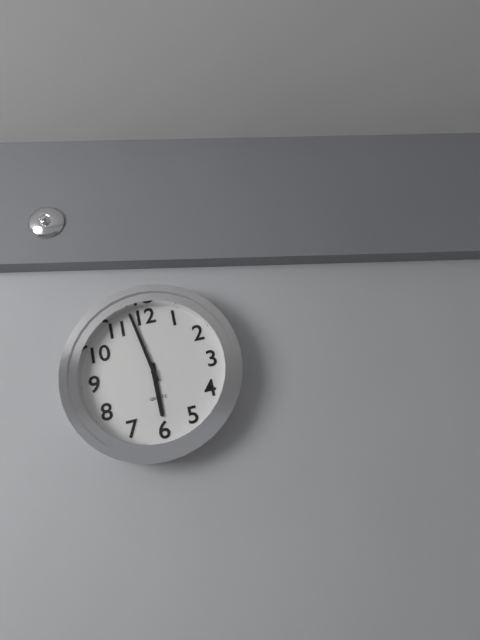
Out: 5:58
